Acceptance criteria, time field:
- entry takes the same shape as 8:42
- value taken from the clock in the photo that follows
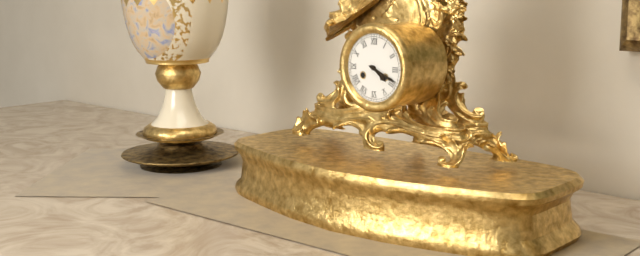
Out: 4:19
